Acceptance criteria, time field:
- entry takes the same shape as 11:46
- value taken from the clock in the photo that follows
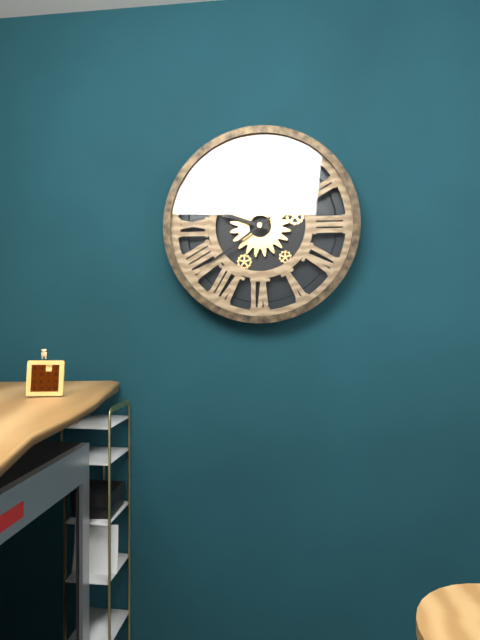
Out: 9:39
